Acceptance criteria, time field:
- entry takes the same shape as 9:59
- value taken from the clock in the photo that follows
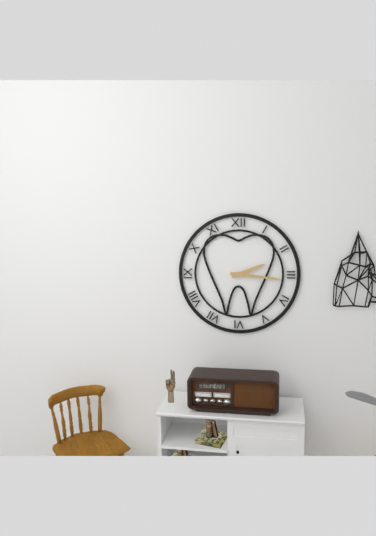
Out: 2:16
